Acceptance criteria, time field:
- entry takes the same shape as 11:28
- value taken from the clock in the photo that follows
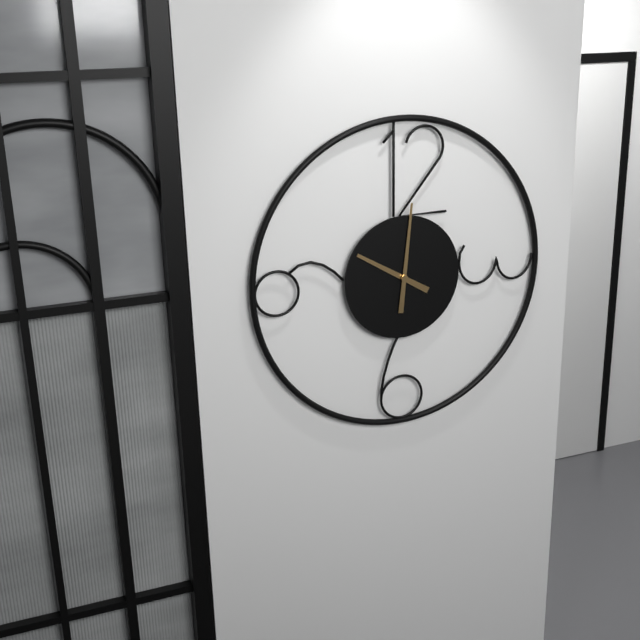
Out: 10:01
